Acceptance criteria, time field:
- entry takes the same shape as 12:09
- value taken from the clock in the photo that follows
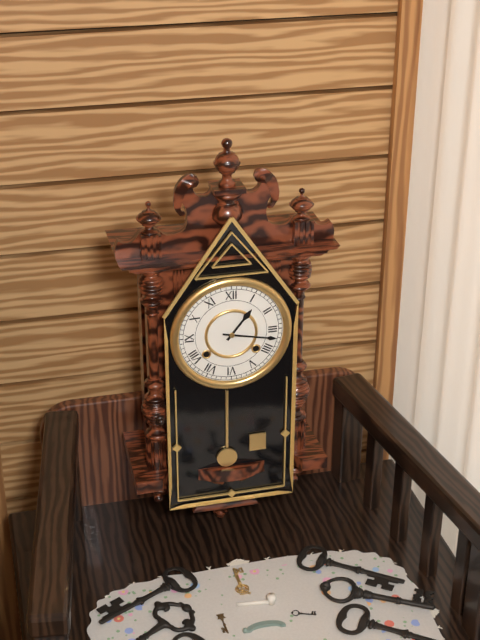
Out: 1:17
